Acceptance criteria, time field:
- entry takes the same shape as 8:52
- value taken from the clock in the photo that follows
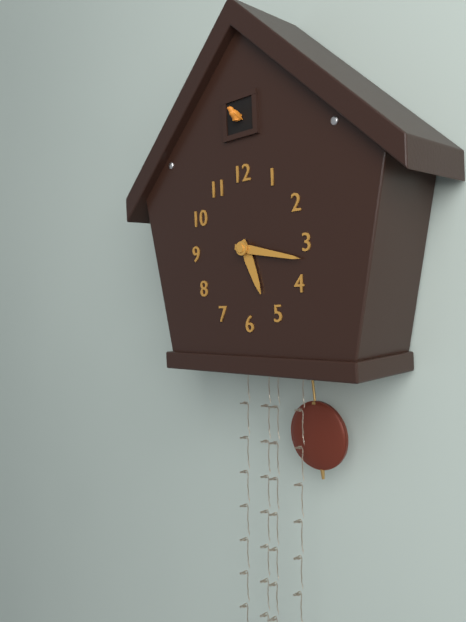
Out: 5:17
